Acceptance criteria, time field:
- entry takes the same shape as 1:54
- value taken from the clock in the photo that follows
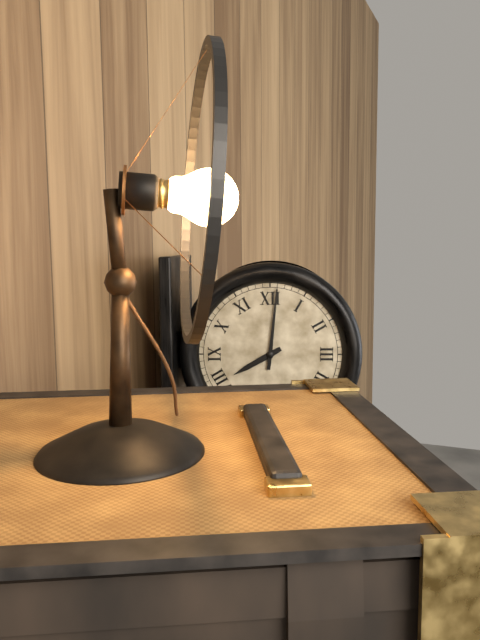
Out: 8:01
